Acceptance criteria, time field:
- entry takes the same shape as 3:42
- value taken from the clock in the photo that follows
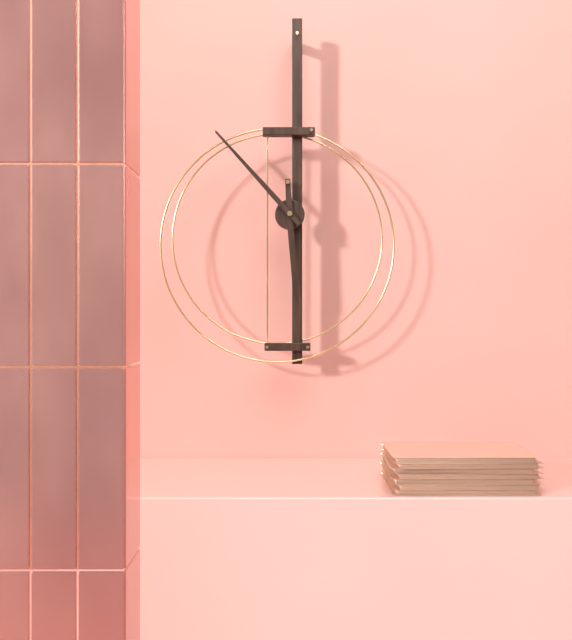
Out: 5:53
